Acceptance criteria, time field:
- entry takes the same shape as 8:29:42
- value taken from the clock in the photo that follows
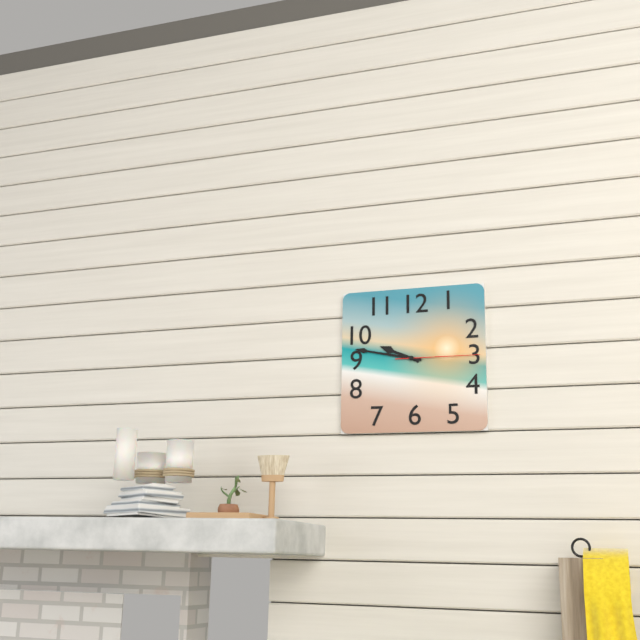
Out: 9:47:15
